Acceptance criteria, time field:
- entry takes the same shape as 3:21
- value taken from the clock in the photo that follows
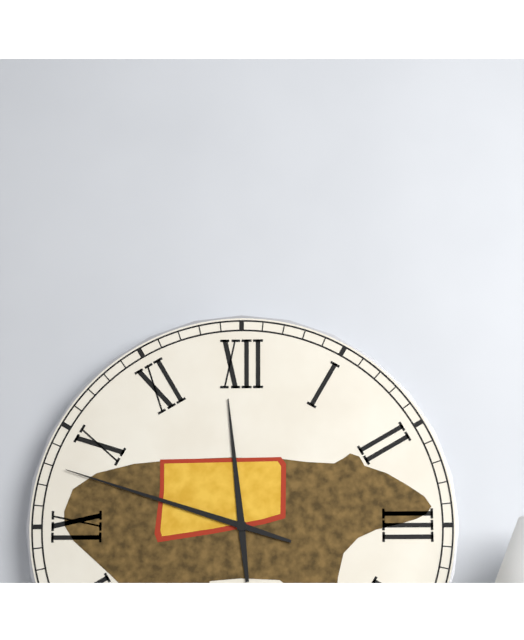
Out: 11:48
